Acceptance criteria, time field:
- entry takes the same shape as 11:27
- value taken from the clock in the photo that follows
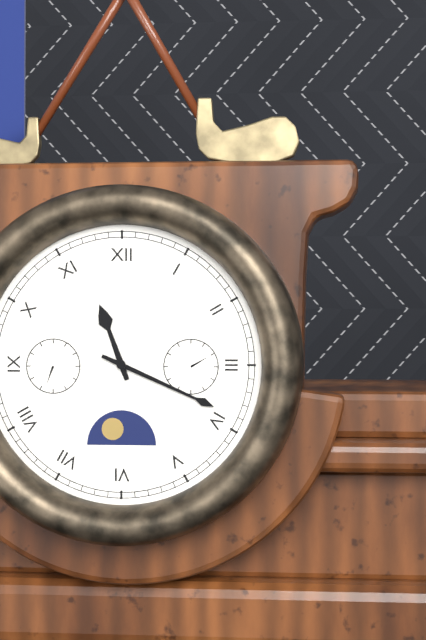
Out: 11:19
